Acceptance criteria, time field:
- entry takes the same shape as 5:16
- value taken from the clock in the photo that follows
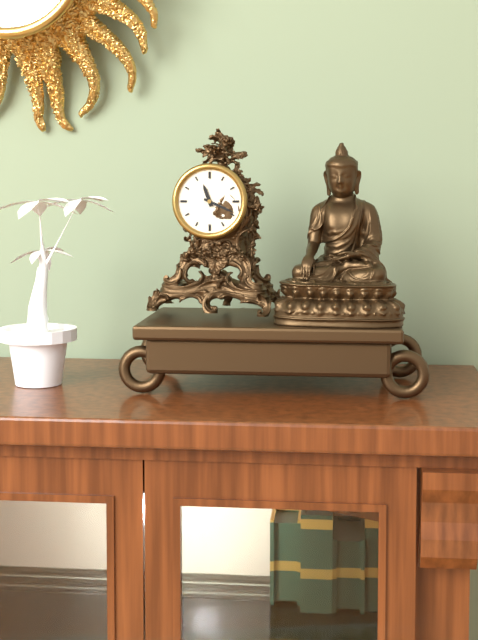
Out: 11:19
